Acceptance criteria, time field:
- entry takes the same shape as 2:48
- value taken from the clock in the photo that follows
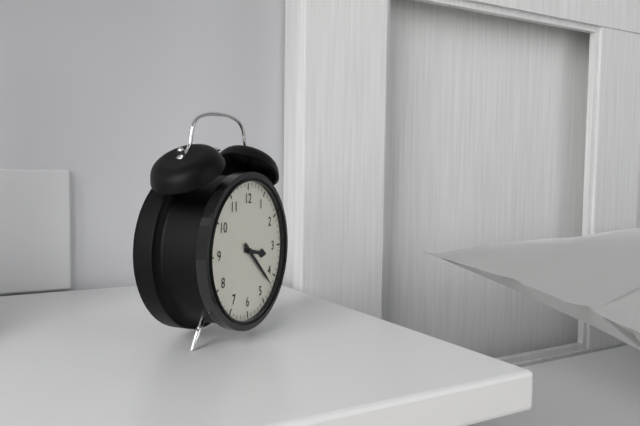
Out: 3:22
